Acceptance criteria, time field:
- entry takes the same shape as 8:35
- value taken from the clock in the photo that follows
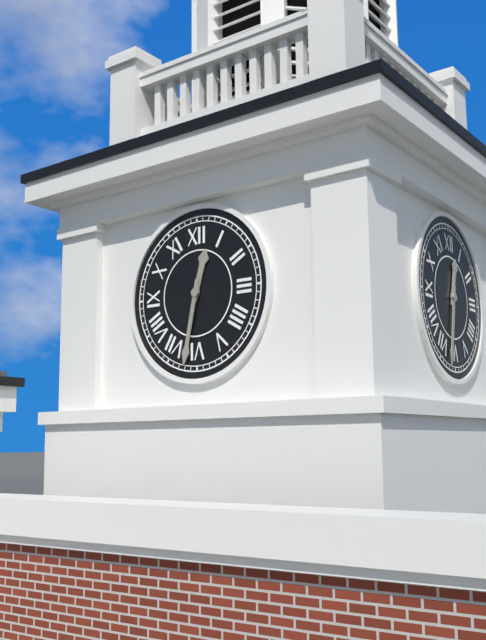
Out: 12:32
